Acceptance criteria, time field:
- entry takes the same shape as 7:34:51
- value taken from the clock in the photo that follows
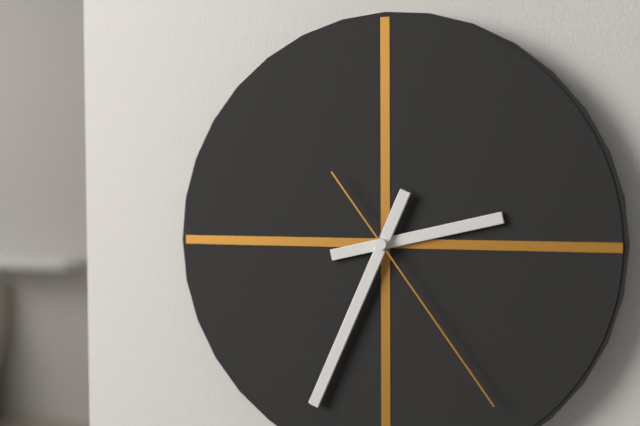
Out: 2:34:24
